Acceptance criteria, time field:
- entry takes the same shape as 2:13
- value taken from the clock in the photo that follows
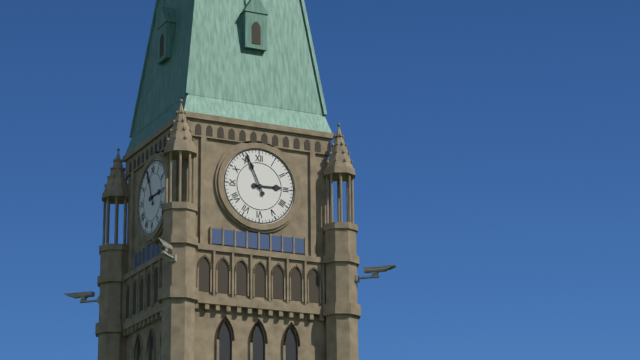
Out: 2:56
